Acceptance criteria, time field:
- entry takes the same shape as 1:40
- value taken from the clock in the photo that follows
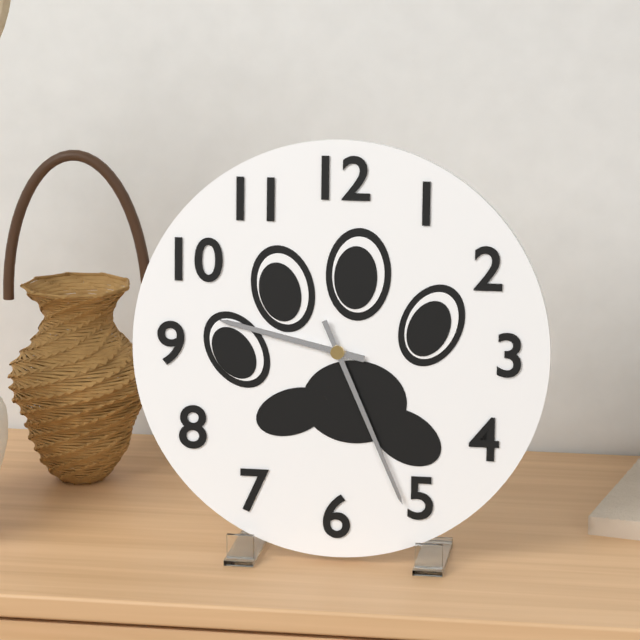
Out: 9:26
